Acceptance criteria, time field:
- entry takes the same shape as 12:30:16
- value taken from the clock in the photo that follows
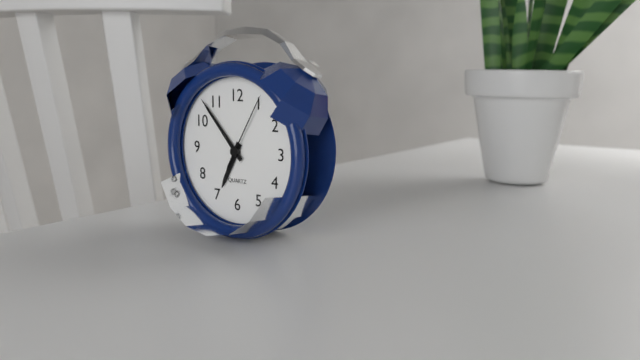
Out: 6:53:05
